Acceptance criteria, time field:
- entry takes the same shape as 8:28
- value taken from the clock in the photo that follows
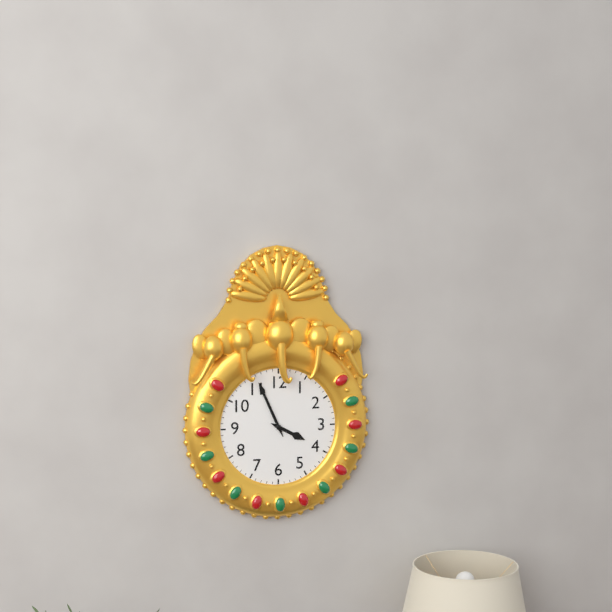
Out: 3:56
